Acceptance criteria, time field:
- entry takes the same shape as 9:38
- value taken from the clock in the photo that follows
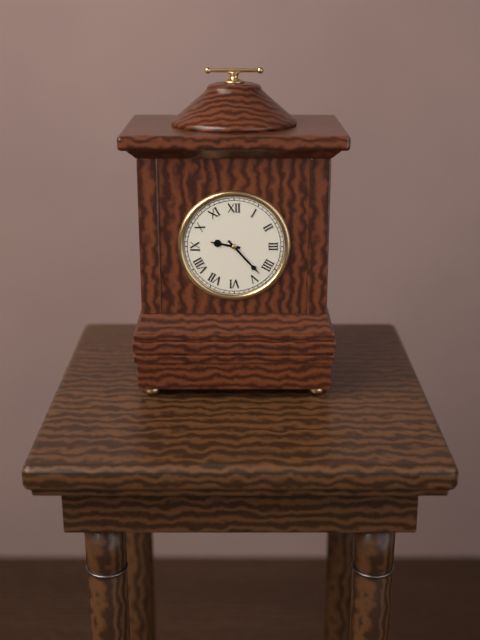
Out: 9:23
